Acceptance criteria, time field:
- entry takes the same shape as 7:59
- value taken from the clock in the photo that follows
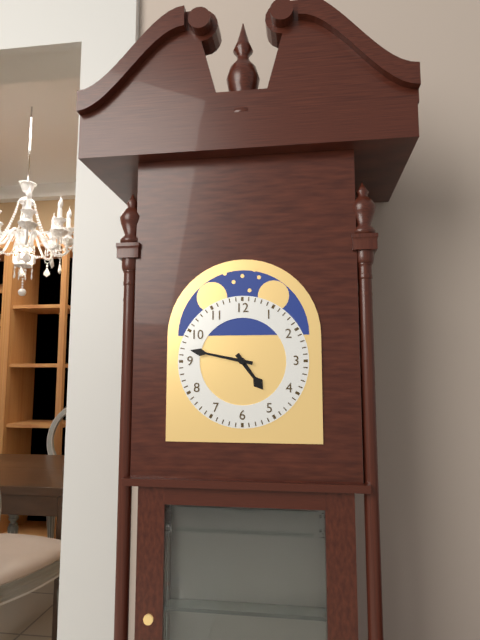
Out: 4:47
